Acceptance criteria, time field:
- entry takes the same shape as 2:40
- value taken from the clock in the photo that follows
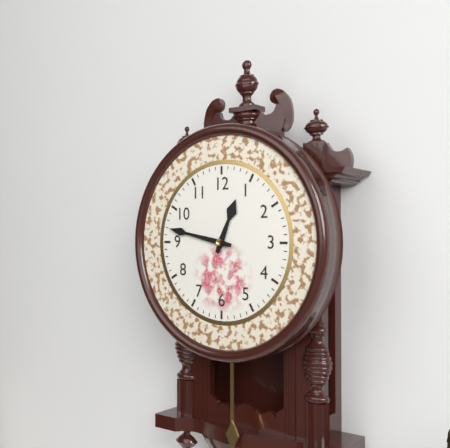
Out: 12:47
